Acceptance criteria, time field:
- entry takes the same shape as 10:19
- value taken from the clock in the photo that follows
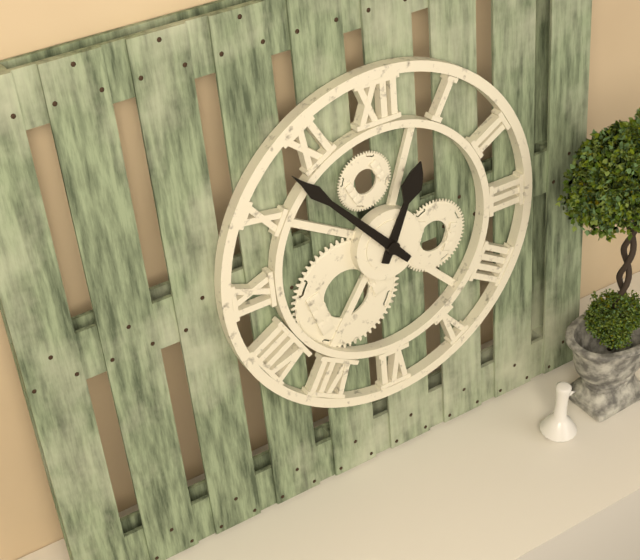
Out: 12:53
